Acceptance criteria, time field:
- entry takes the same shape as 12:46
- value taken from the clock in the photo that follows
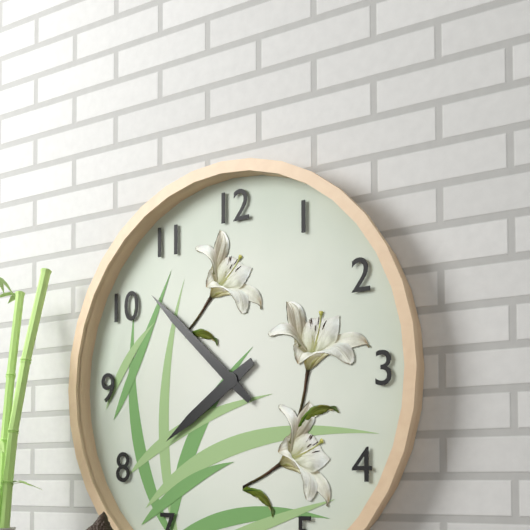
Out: 7:52
